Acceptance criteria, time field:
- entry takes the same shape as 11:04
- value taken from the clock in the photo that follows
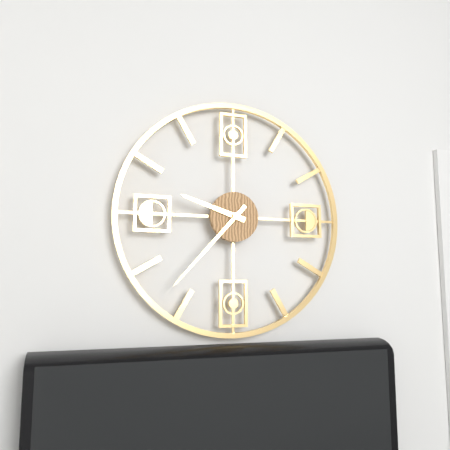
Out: 9:37
